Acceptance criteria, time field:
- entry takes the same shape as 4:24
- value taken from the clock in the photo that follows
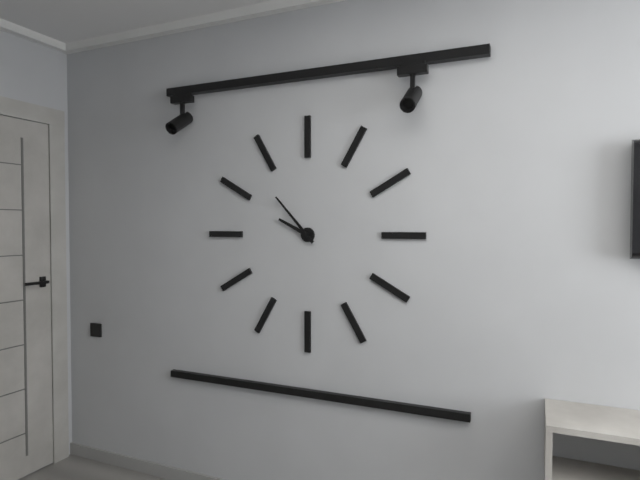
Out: 9:53
